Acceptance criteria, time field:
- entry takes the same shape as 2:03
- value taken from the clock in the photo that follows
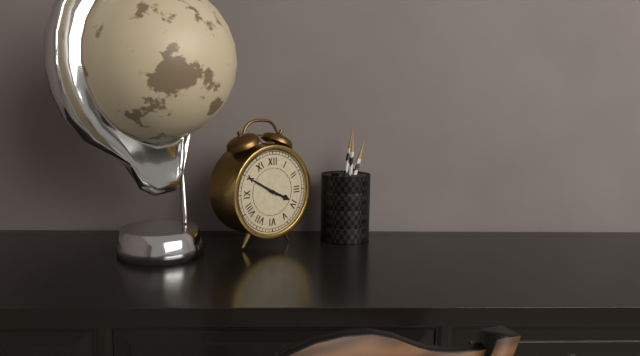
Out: 3:50
